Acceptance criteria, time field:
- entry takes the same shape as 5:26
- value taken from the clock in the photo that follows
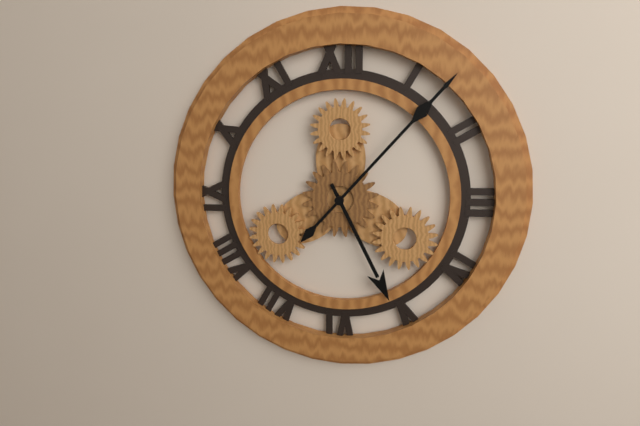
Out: 5:07
